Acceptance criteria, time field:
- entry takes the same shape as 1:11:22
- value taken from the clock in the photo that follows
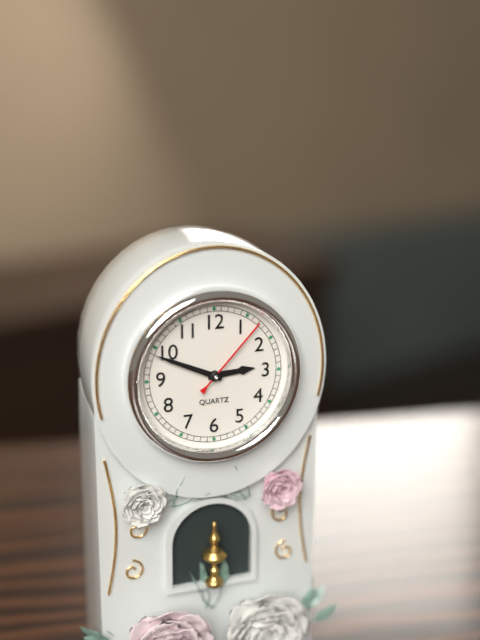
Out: 2:49:07
